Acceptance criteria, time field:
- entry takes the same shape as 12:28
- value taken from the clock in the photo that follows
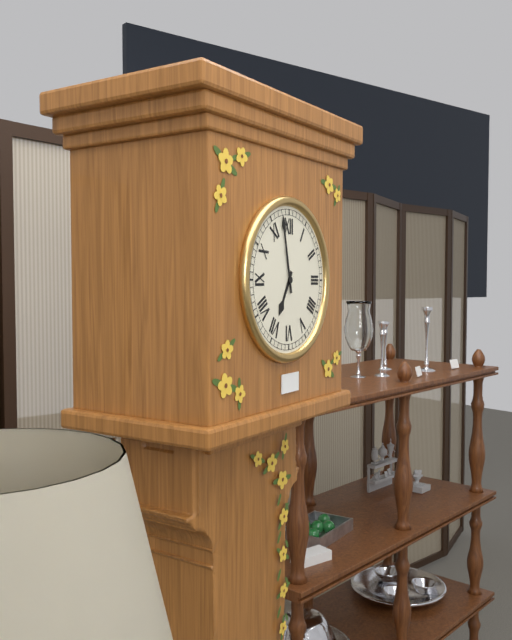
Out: 6:58
